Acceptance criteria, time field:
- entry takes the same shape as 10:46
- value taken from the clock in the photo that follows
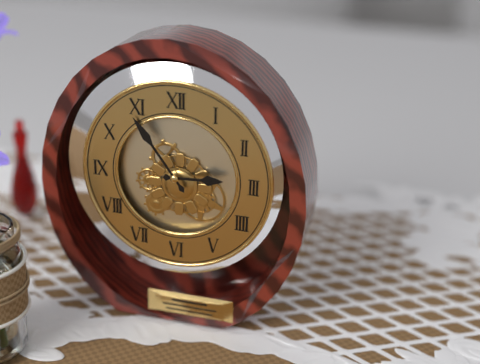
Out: 2:54
